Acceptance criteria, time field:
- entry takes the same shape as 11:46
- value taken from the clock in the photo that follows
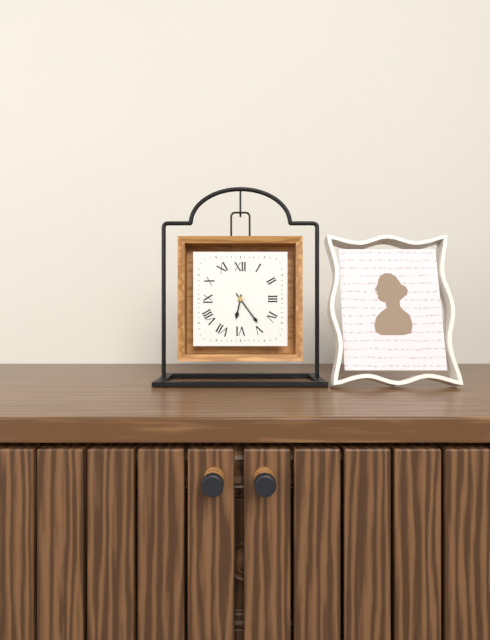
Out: 6:24
